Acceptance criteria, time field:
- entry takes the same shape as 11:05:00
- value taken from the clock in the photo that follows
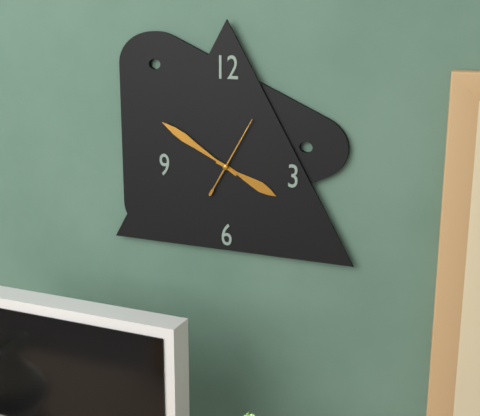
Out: 3:50:05
